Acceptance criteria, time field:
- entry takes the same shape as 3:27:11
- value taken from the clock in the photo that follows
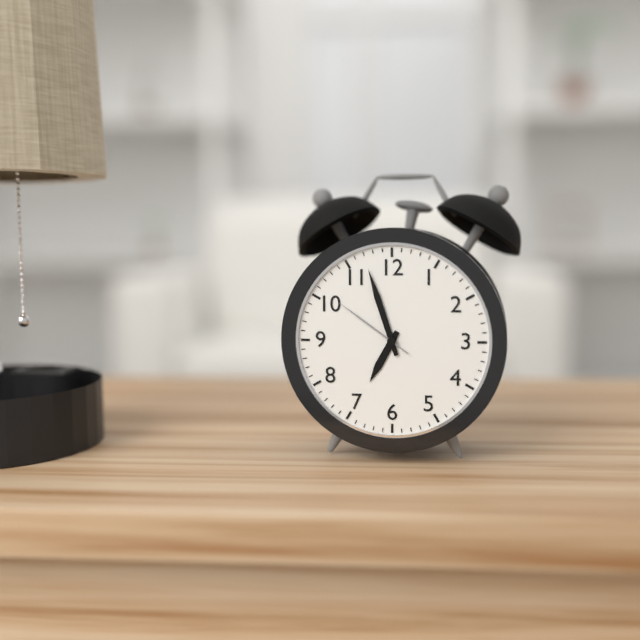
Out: 6:57:51
